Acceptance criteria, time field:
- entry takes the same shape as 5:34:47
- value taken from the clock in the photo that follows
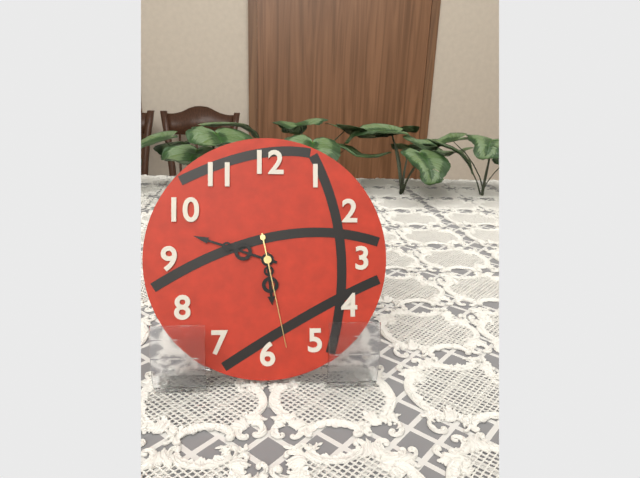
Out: 5:48:28
